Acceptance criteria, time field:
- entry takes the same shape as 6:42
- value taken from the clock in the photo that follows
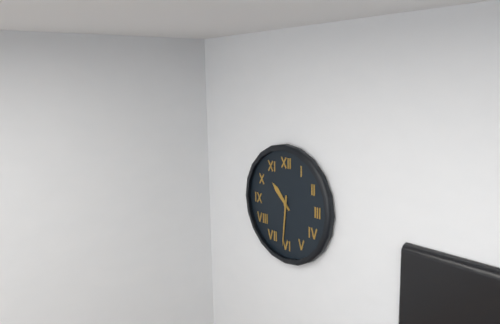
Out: 10:31
